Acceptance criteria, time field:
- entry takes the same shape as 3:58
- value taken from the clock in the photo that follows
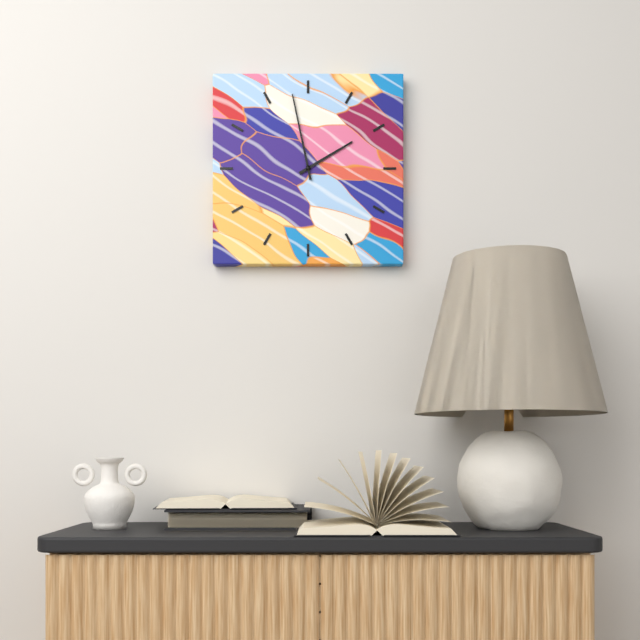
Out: 1:58
